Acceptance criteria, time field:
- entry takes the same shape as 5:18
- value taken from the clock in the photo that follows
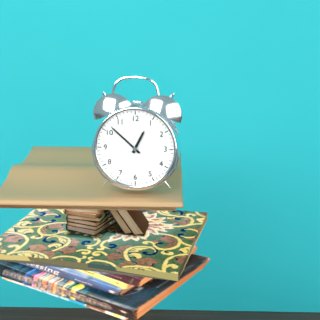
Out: 12:52
